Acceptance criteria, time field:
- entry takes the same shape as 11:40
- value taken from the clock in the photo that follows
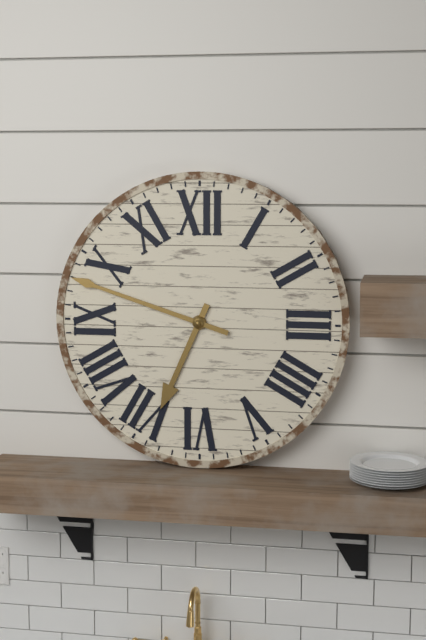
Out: 6:48
